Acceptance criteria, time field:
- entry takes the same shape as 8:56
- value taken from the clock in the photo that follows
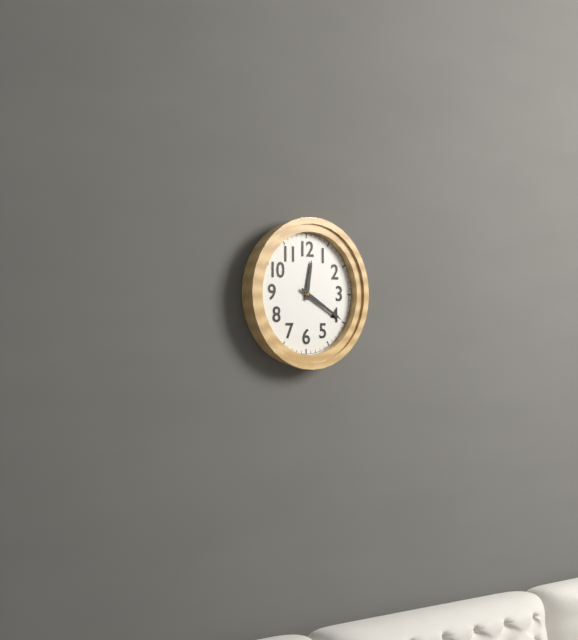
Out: 12:20
